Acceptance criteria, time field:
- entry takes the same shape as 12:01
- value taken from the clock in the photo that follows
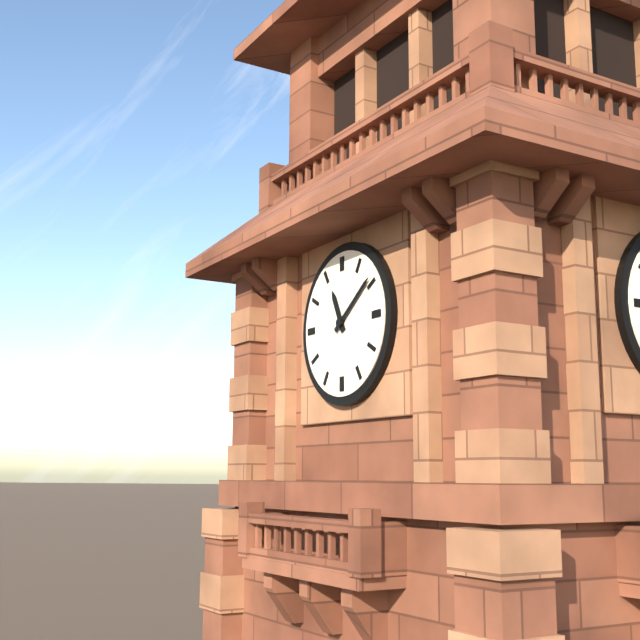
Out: 11:09
